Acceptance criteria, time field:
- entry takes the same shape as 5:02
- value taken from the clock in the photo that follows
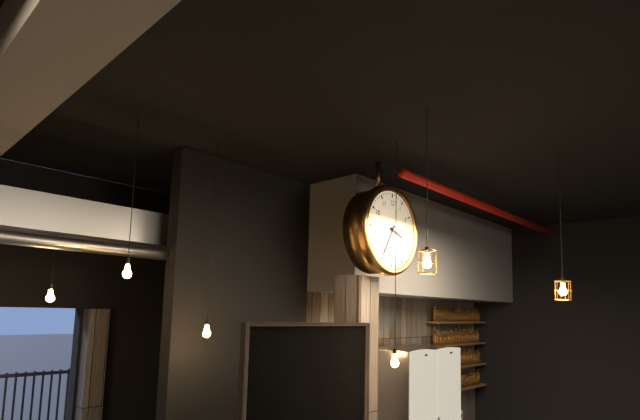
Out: 3:35
